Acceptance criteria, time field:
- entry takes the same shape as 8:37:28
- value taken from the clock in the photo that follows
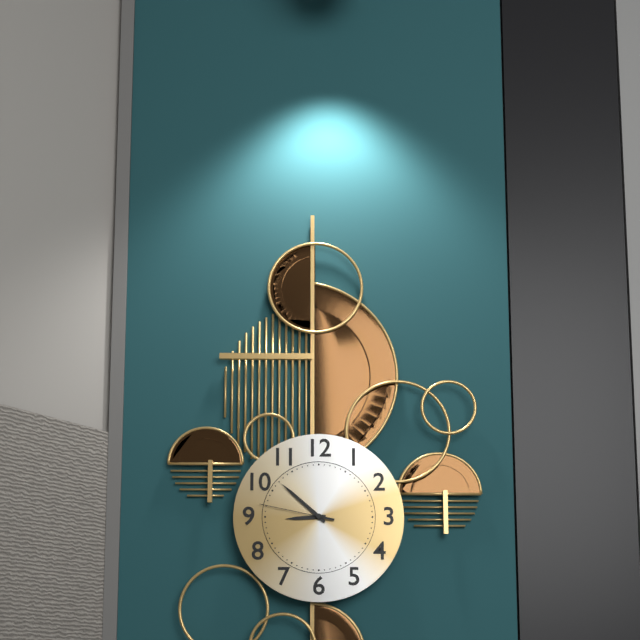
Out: 8:52:47
